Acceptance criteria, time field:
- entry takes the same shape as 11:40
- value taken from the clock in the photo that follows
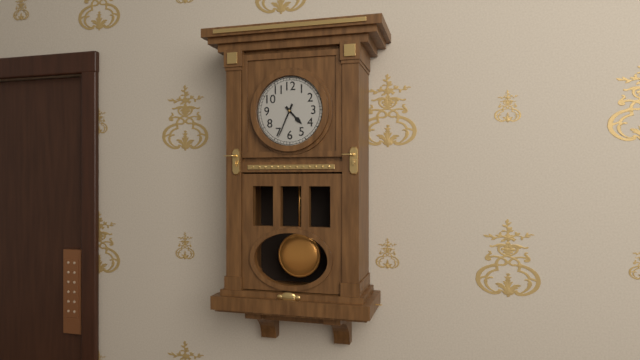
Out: 4:34
